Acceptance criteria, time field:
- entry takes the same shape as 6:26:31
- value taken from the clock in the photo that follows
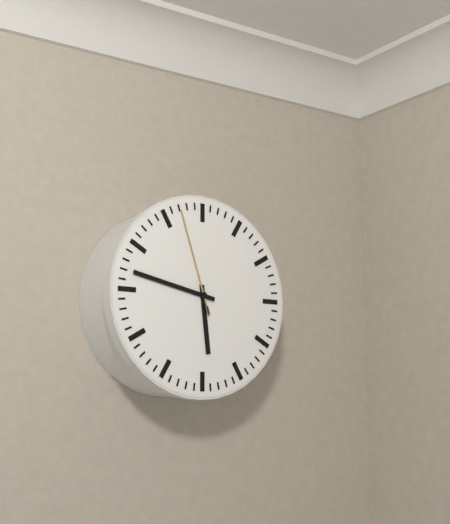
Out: 5:47:57
